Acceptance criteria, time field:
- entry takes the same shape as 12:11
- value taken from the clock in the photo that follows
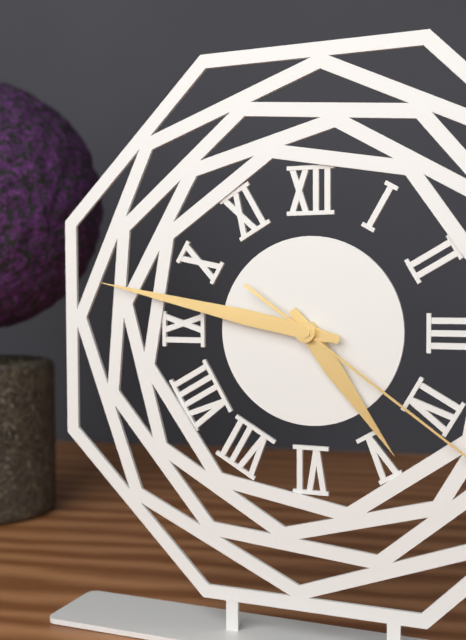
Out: 4:47
